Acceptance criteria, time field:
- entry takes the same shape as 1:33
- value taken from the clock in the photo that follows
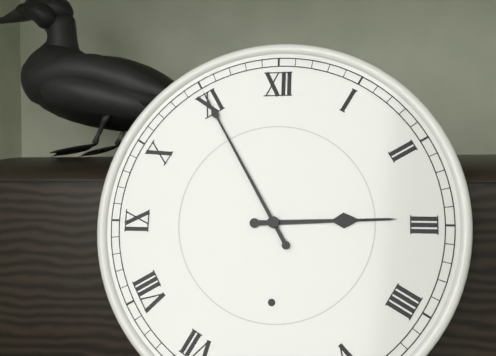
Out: 2:55
